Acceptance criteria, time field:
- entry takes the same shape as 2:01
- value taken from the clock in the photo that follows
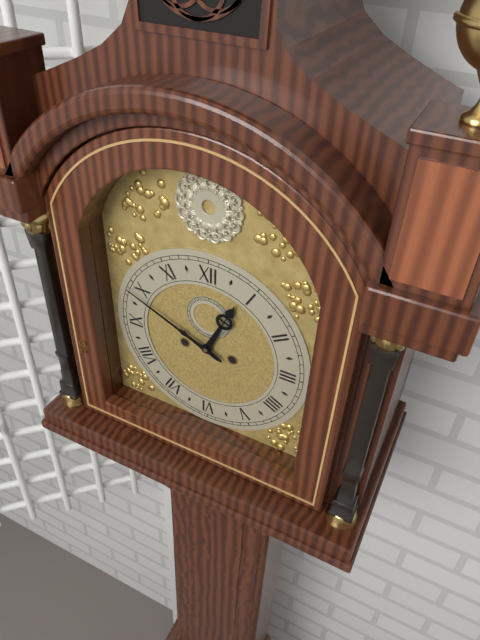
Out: 12:49
